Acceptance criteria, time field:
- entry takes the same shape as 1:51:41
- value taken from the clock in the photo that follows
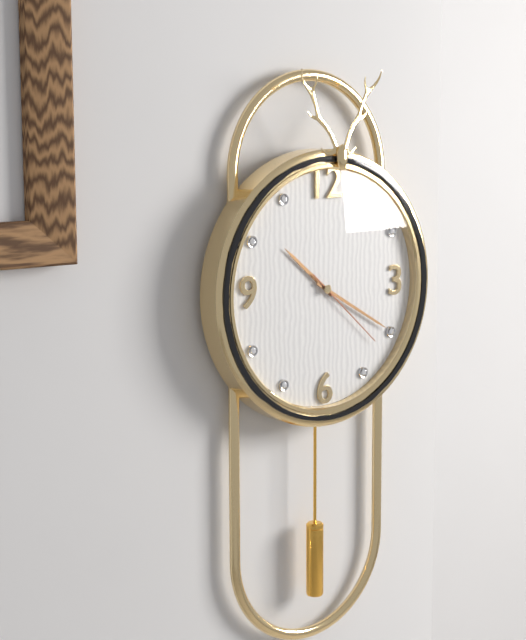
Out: 10:20:22
